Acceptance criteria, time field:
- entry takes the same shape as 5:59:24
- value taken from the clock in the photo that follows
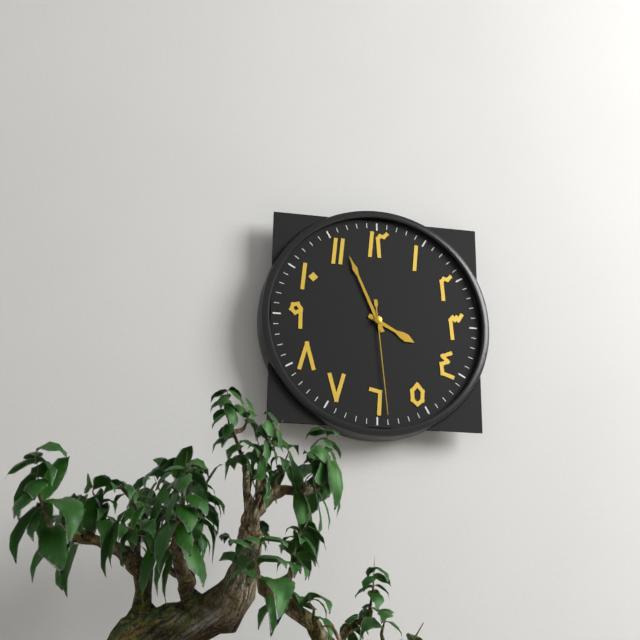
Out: 3:56:29
